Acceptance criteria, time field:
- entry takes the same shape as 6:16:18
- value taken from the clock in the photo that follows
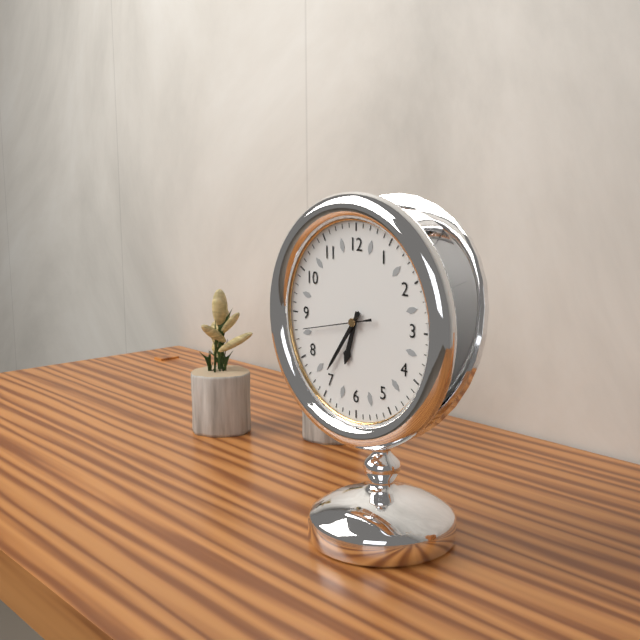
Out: 6:36:43
